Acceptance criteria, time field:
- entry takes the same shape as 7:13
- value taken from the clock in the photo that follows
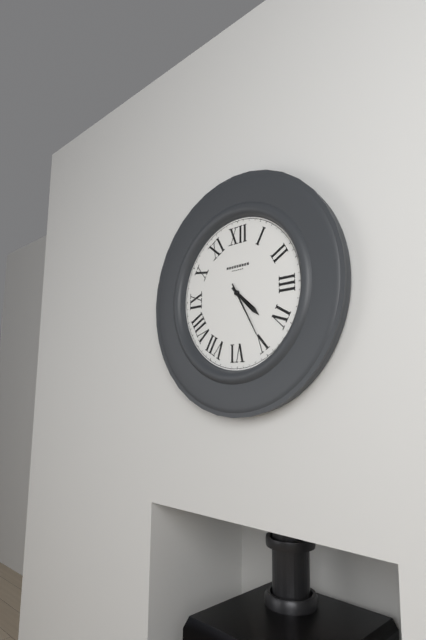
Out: 4:25
